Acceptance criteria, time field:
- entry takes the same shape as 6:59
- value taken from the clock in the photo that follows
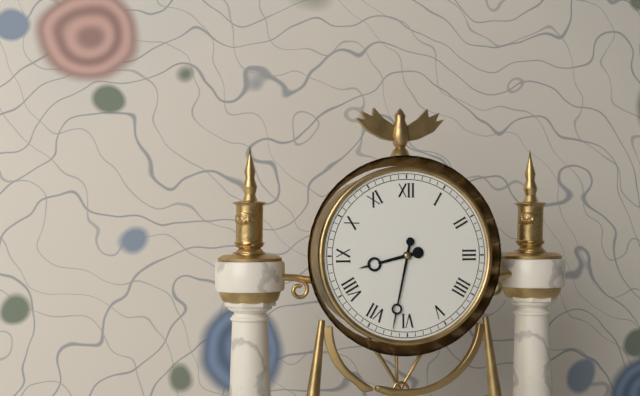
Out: 8:32
